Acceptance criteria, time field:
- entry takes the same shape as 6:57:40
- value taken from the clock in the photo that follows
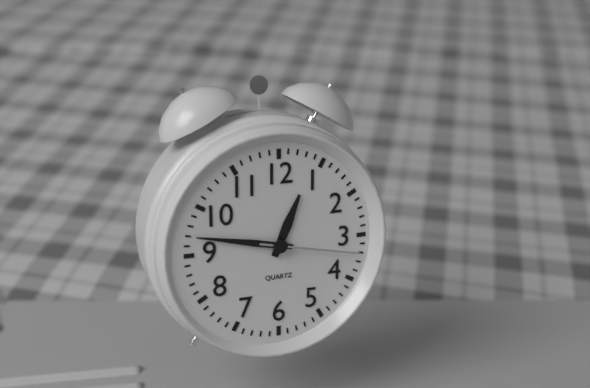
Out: 12:47:17
